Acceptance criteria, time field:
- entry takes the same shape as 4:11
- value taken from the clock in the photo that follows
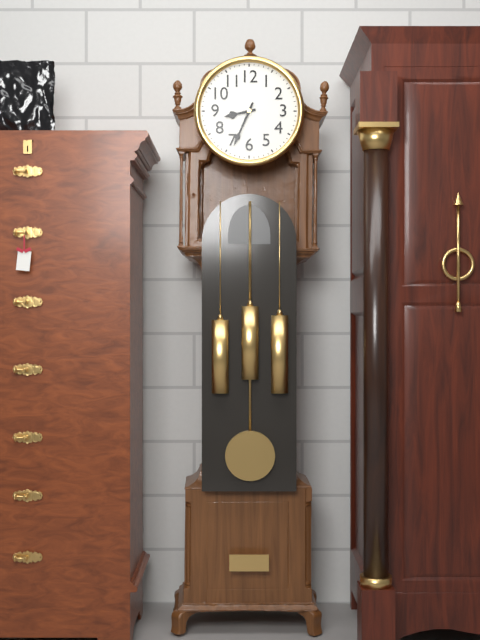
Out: 8:34
